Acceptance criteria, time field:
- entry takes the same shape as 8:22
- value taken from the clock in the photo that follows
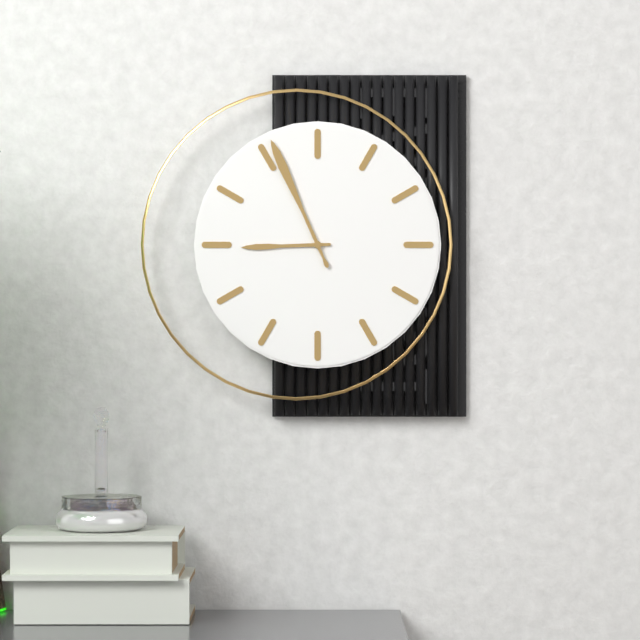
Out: 8:56
